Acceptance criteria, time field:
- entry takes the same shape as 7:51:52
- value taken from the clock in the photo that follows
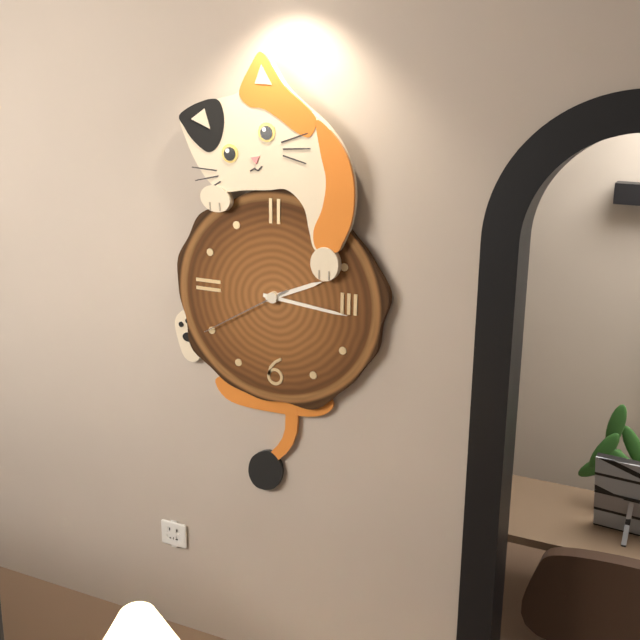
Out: 2:16:40
